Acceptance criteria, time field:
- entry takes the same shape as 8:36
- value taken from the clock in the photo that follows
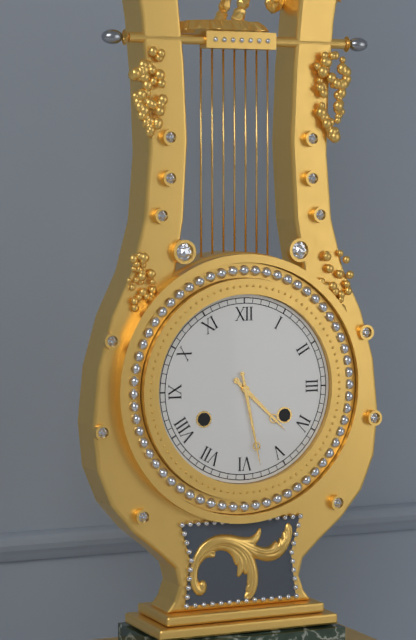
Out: 4:28
